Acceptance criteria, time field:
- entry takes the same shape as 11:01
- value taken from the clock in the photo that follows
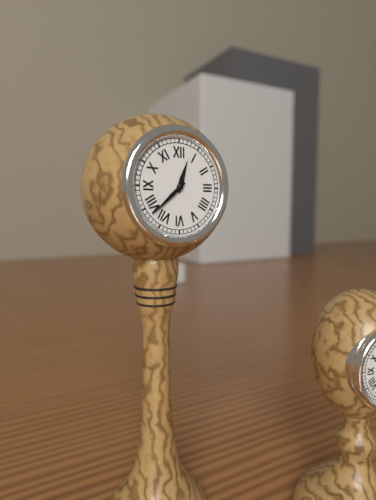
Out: 12:38
